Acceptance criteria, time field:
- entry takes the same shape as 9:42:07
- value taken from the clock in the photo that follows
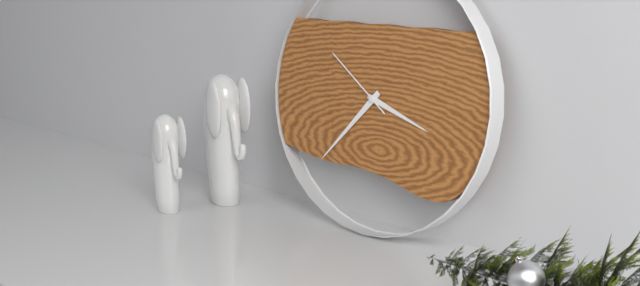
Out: 3:37:51
